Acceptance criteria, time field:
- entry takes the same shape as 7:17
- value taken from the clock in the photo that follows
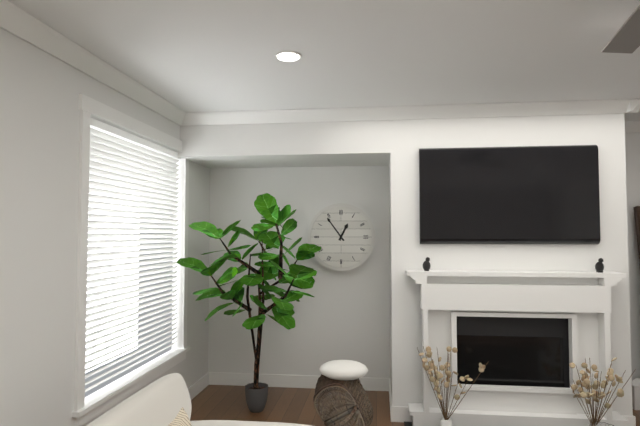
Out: 12:54
